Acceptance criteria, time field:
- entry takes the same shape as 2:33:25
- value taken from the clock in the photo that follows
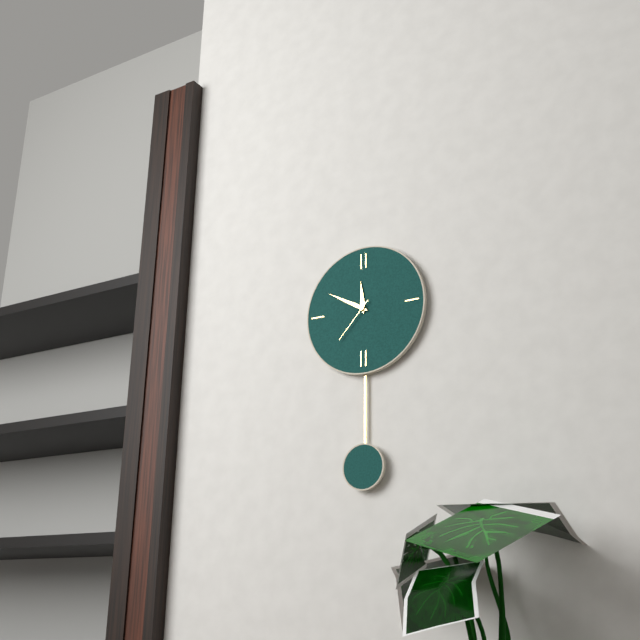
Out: 11:50:37
